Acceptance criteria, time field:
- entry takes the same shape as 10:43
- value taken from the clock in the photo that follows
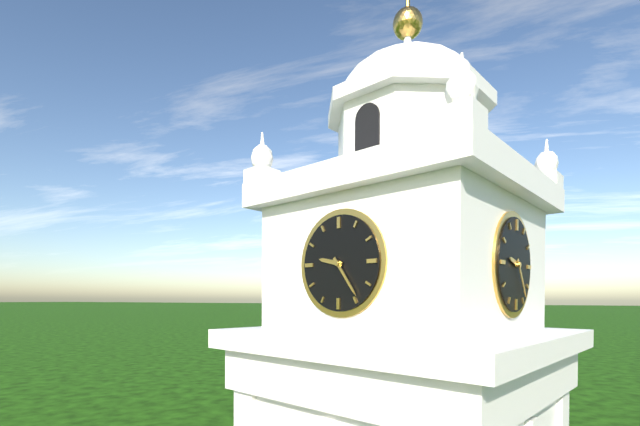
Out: 9:24
